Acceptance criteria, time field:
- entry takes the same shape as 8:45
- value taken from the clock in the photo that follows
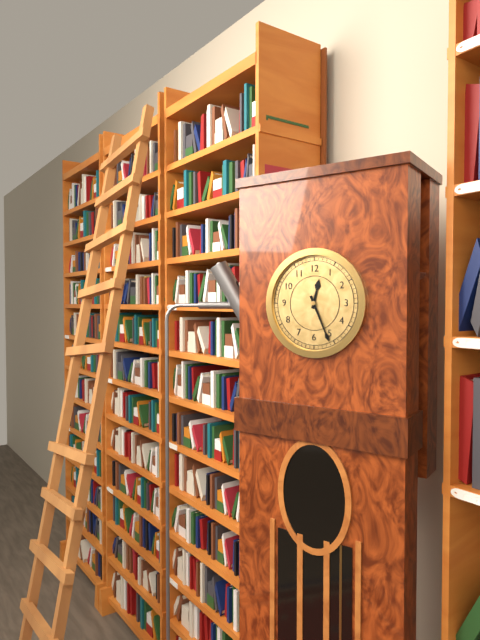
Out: 12:26
